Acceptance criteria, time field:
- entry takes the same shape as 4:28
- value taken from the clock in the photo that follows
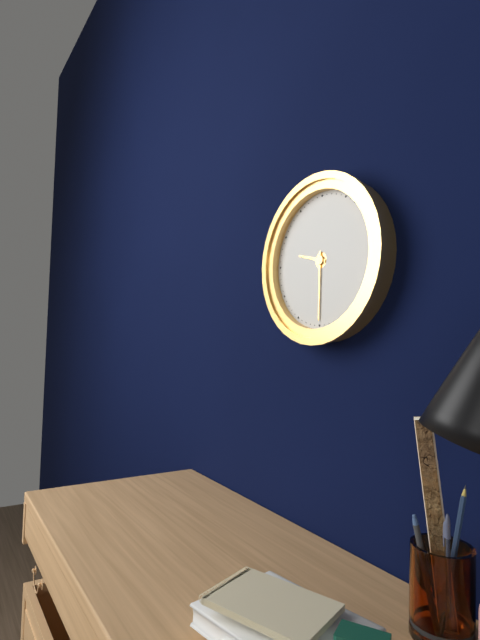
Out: 9:30
